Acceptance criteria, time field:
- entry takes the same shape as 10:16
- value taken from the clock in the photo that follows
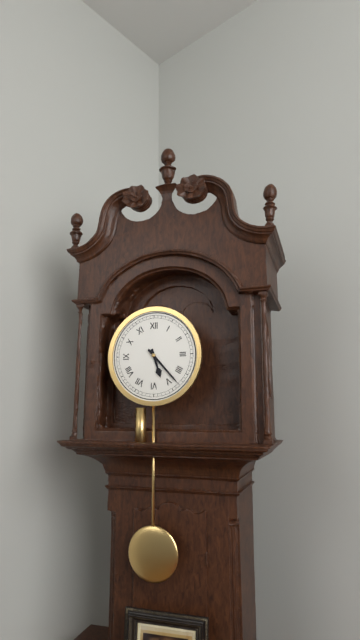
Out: 5:23
